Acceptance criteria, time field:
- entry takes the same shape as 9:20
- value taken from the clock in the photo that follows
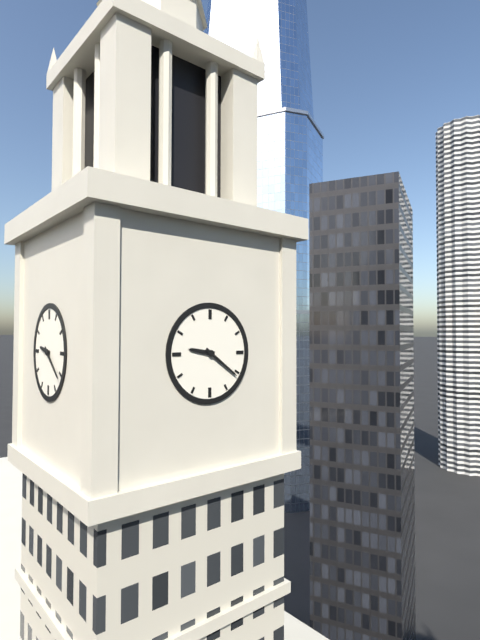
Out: 9:21
